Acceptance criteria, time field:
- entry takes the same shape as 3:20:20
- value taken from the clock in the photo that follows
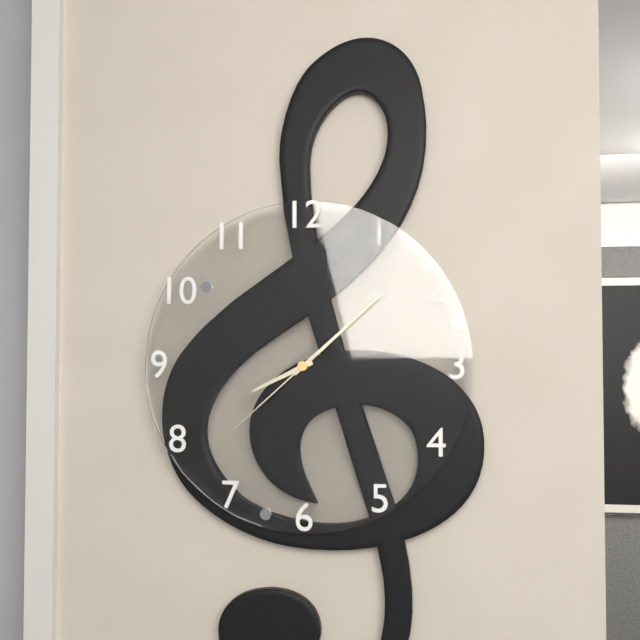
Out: 8:08:38
